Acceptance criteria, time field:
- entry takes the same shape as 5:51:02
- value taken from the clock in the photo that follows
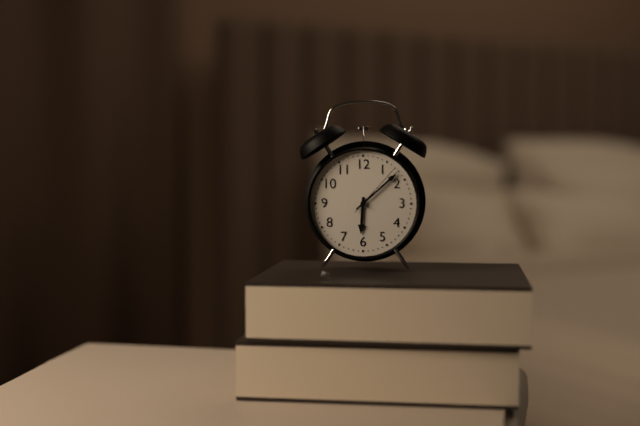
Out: 6:08:07
